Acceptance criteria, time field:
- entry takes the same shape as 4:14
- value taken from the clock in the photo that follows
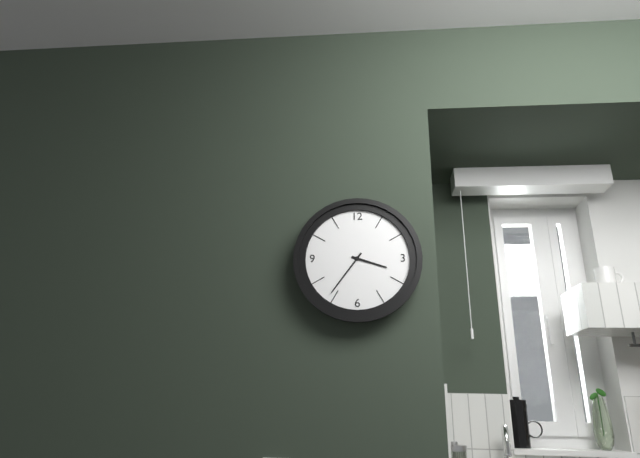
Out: 3:36
